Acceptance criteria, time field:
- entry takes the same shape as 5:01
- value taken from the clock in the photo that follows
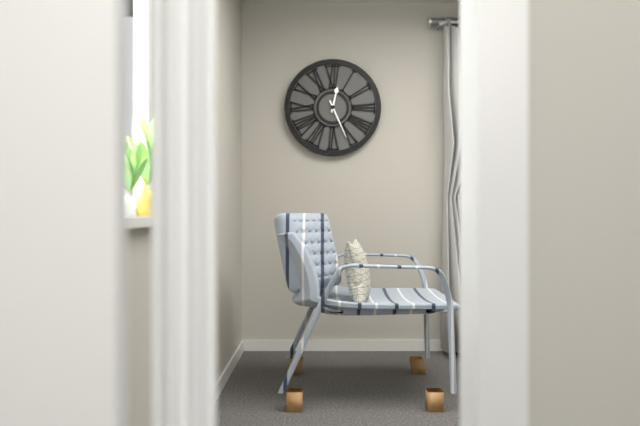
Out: 12:26
